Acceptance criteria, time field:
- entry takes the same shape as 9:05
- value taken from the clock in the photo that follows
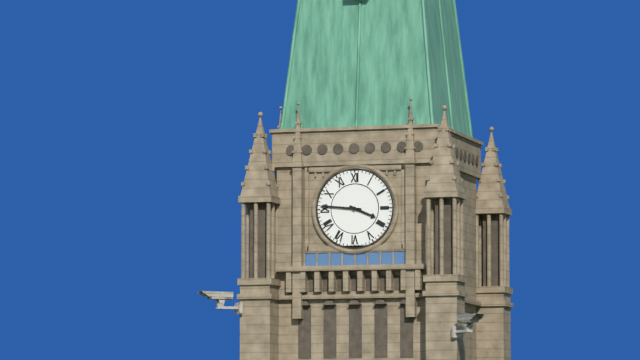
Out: 3:46
